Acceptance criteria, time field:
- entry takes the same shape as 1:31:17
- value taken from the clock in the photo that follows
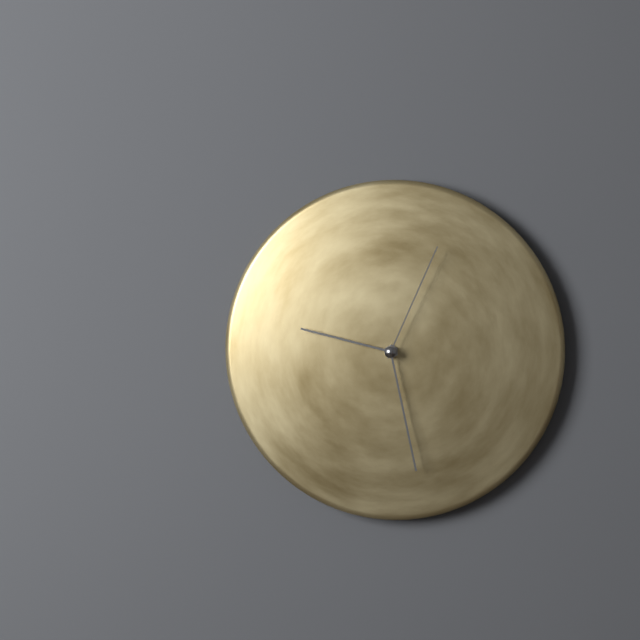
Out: 9:28:04
